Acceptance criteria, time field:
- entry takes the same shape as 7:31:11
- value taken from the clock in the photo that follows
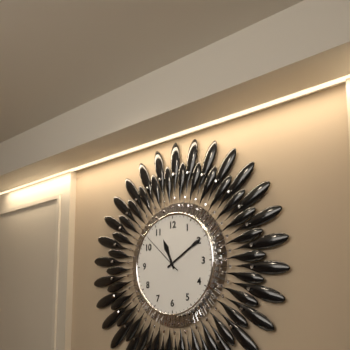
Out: 11:10:52
